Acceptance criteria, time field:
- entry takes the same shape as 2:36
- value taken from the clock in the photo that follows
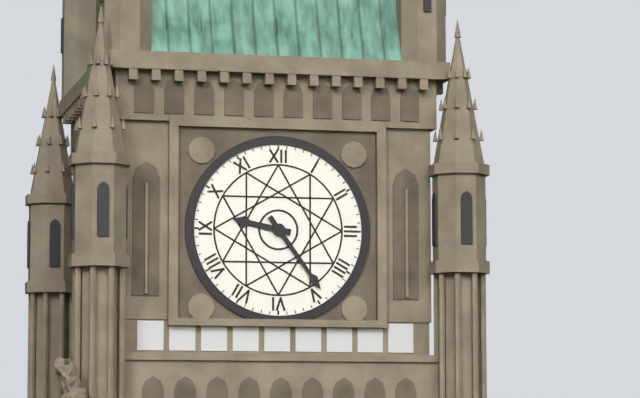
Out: 9:24
